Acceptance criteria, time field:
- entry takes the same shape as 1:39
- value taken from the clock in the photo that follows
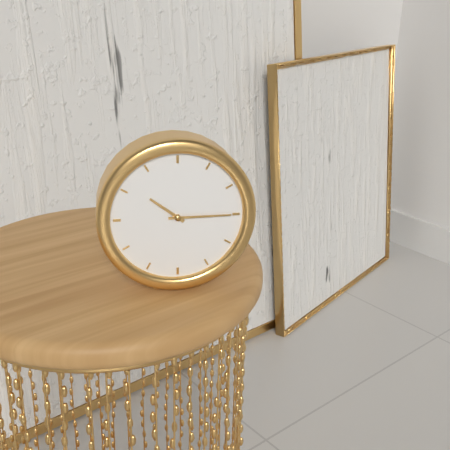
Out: 10:15
